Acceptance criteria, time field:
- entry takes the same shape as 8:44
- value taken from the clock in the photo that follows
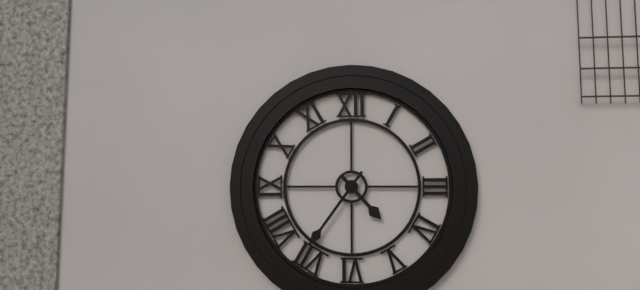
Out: 4:36
